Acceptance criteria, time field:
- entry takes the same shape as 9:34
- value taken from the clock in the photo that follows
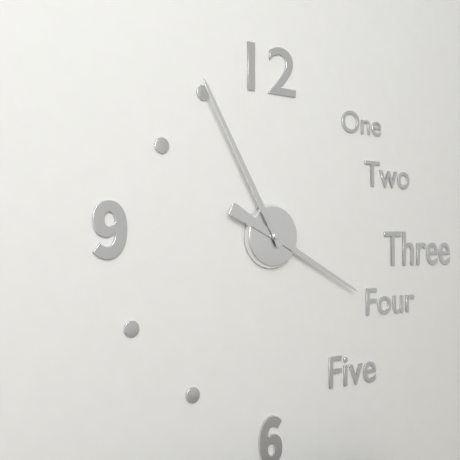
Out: 3:55
